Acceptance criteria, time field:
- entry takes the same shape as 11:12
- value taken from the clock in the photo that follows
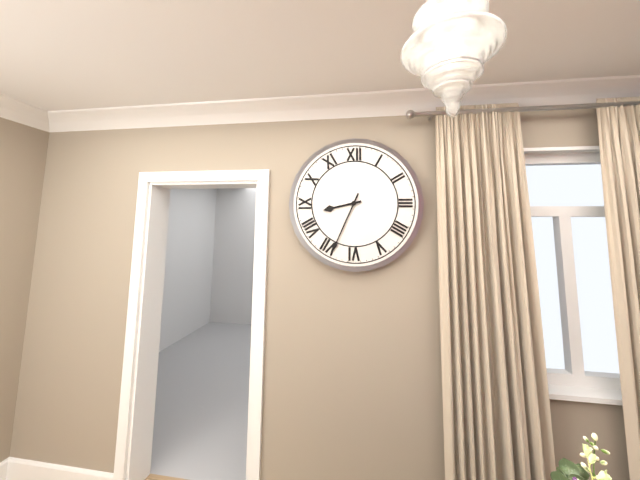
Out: 8:34
